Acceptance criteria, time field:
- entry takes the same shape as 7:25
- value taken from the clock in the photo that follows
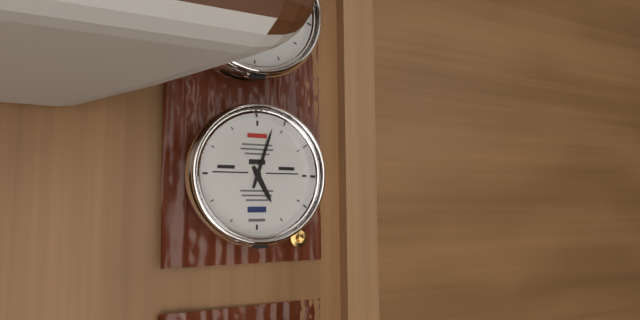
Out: 5:03
